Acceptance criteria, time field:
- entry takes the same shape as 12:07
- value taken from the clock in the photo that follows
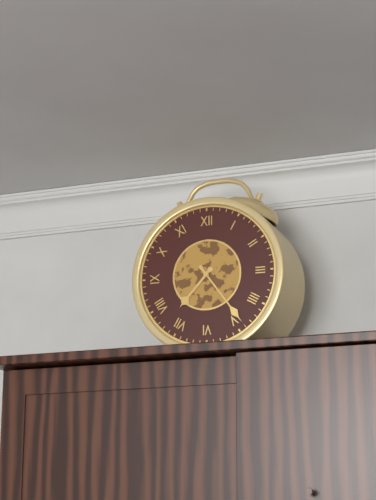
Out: 7:24
